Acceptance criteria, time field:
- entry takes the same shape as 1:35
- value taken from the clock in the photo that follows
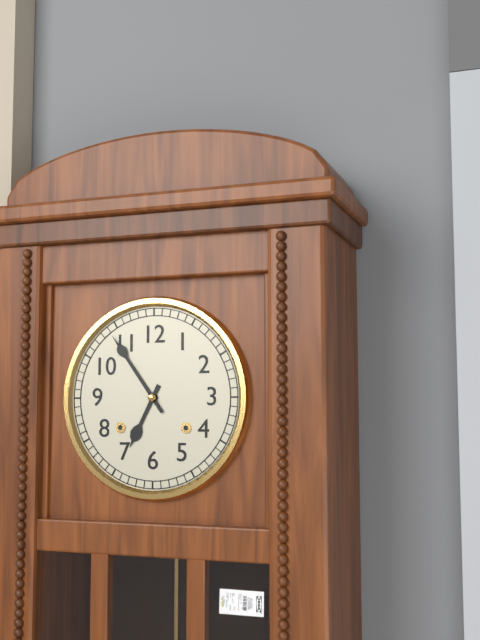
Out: 6:54
